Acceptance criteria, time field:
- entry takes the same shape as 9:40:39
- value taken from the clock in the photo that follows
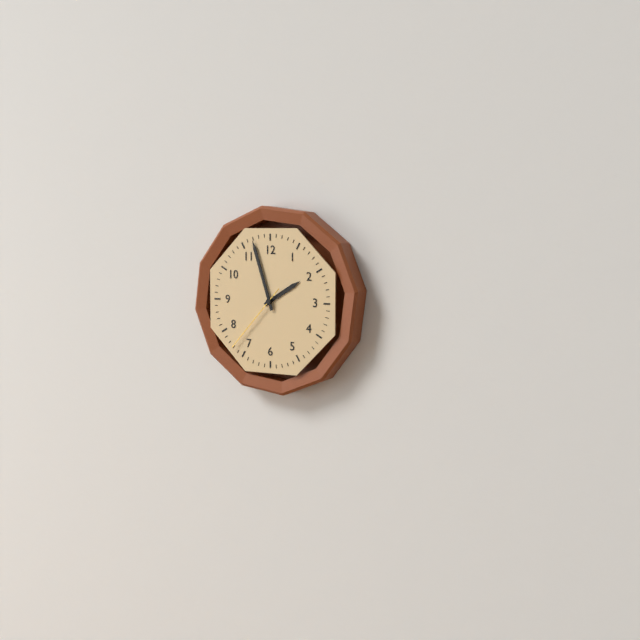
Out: 1:57:37
